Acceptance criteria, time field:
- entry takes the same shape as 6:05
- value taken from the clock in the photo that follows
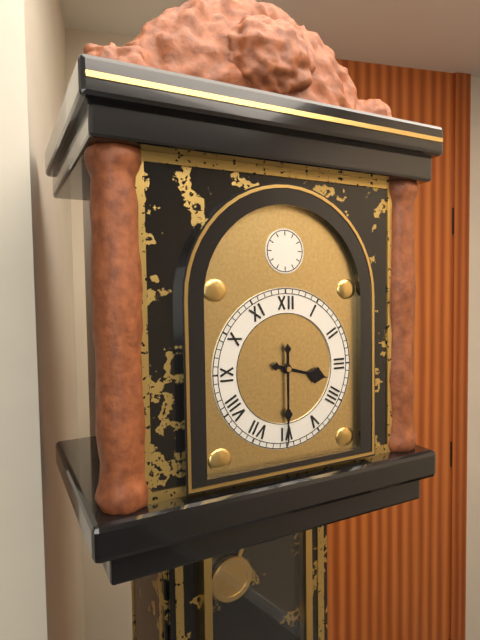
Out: 3:30
